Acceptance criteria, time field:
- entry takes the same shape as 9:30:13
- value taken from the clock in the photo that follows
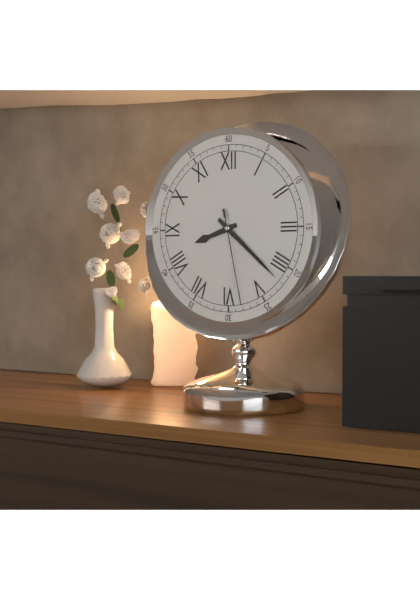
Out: 8:22:28
